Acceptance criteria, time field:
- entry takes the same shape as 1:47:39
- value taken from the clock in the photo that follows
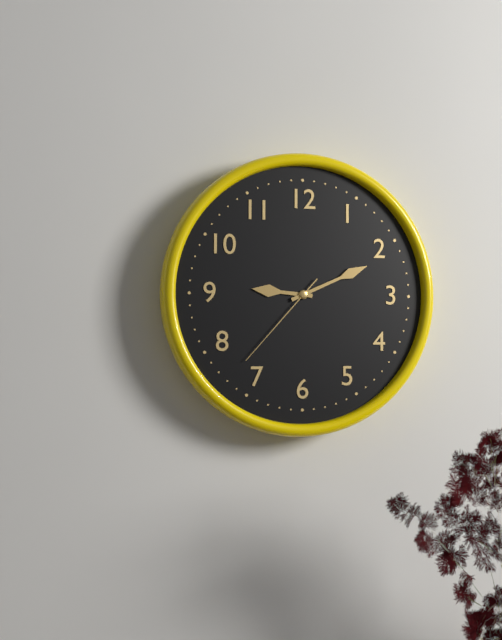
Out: 9:11:37
